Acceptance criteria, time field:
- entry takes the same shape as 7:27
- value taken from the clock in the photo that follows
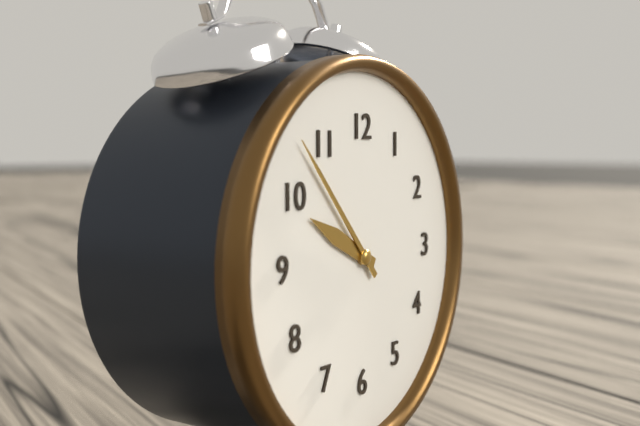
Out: 9:53
